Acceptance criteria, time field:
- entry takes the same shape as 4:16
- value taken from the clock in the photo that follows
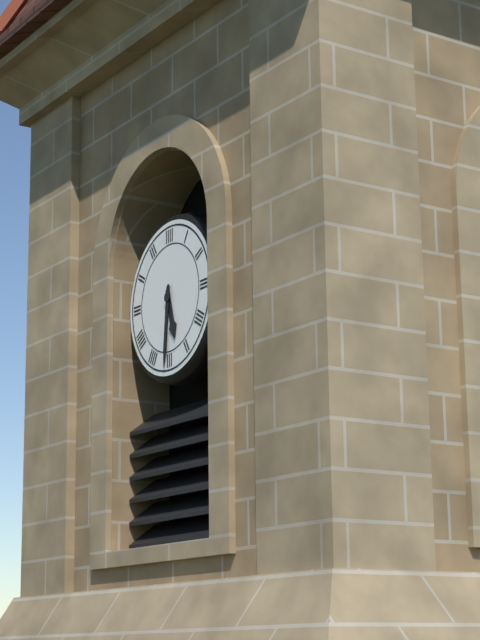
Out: 5:31
